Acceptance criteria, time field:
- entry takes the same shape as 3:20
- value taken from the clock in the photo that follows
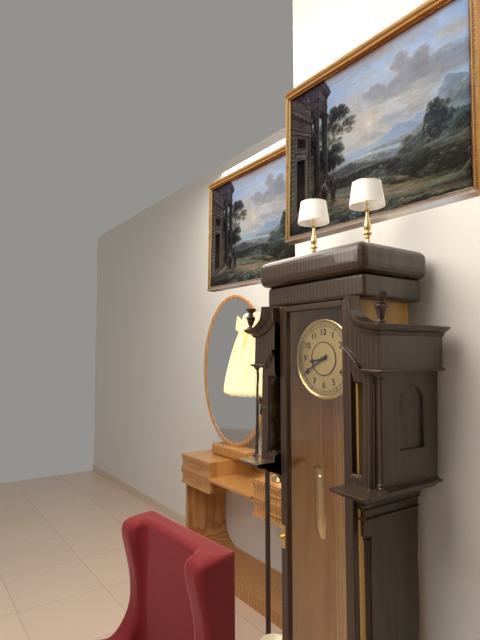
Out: 8:40
